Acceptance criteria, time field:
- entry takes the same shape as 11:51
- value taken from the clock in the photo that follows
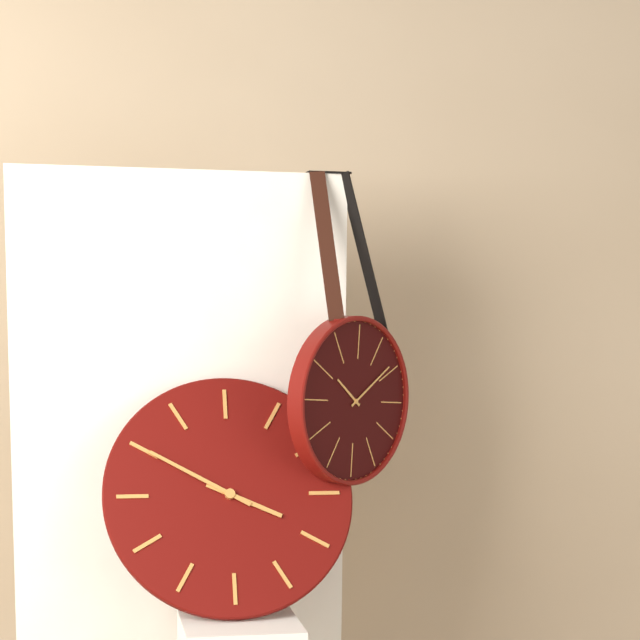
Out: 3:50
